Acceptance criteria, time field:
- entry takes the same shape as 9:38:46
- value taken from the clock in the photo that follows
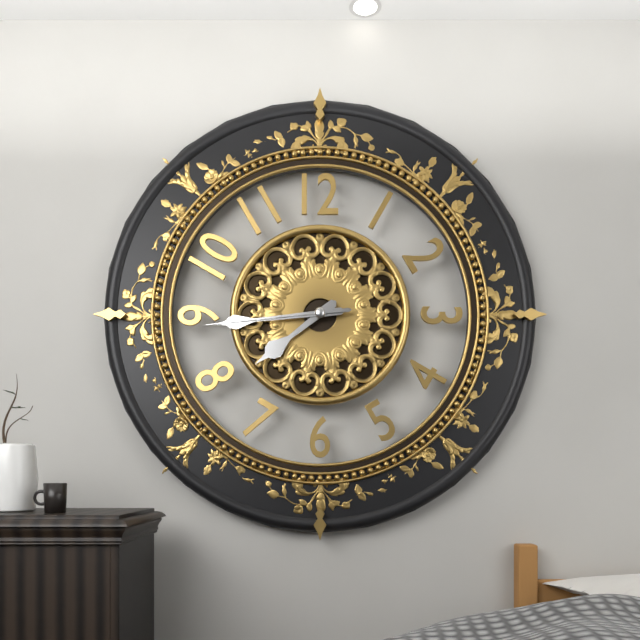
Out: 7:44:44
